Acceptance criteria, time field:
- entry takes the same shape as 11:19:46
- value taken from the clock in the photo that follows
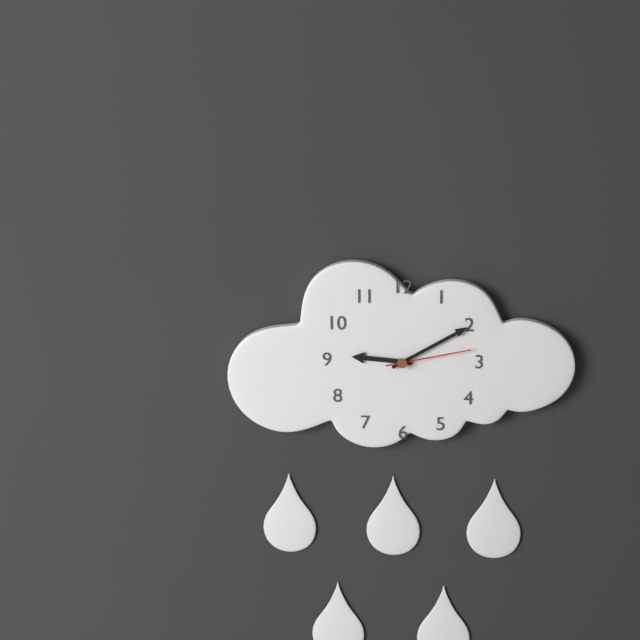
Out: 9:10:13
